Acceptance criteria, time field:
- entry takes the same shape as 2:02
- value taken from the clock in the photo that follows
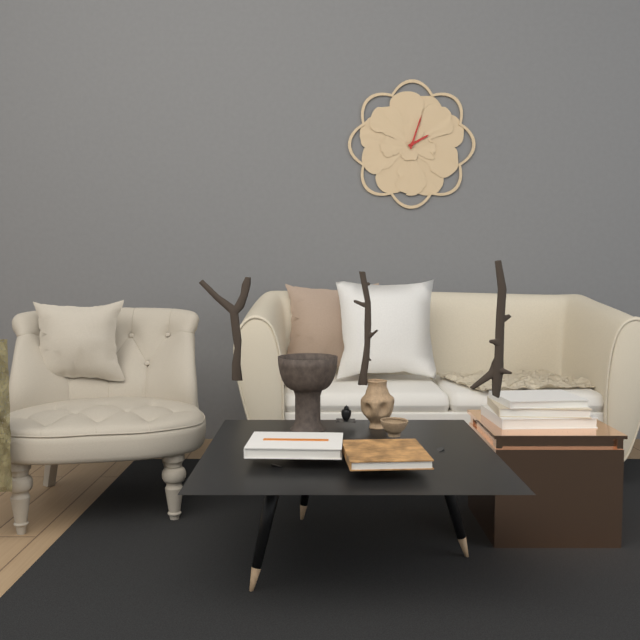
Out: 2:03
